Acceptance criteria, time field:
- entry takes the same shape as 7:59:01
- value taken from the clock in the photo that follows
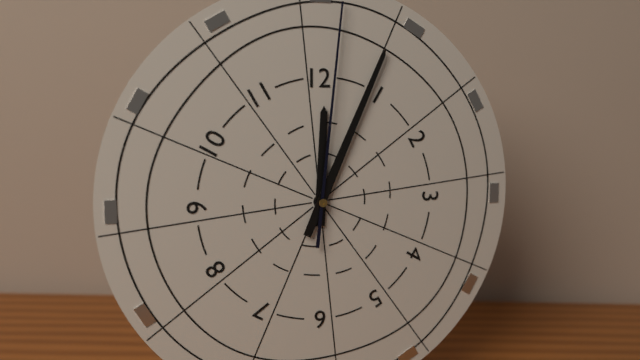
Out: 12:04:01
